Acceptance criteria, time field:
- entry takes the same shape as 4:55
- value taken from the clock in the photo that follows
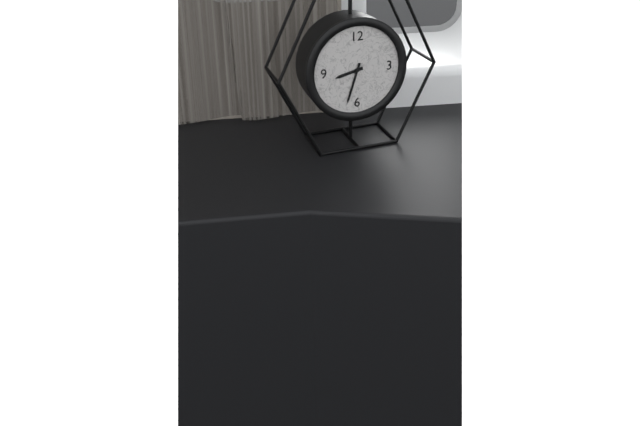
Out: 8:33
